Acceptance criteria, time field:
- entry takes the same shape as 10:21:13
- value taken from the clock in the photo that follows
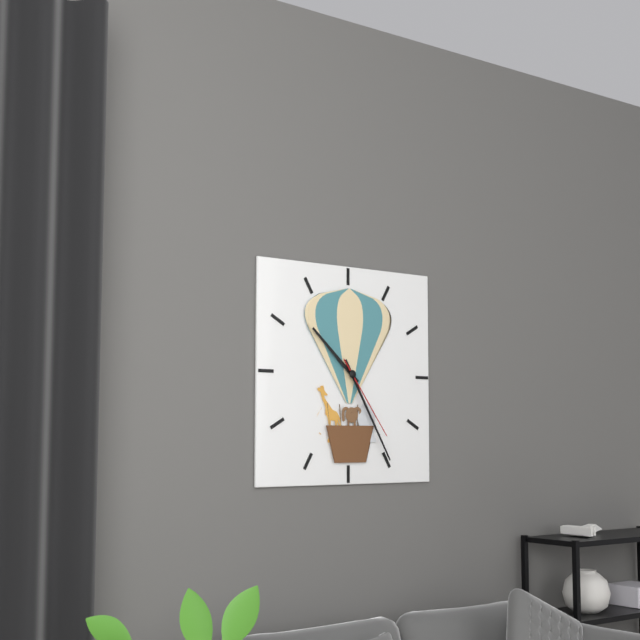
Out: 10:25:24
